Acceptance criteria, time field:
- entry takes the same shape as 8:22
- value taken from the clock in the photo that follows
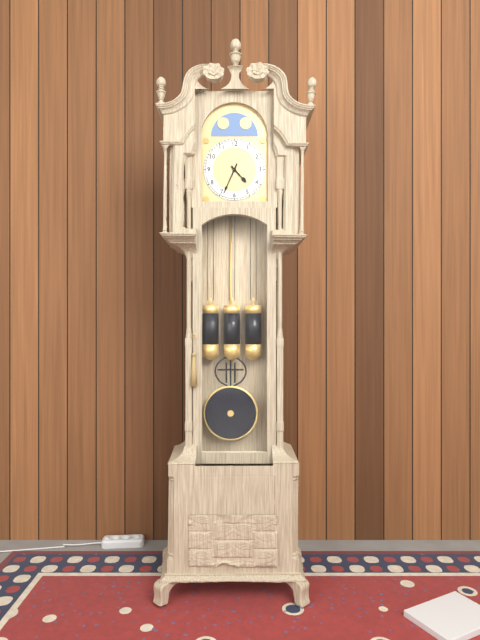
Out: 4:34
